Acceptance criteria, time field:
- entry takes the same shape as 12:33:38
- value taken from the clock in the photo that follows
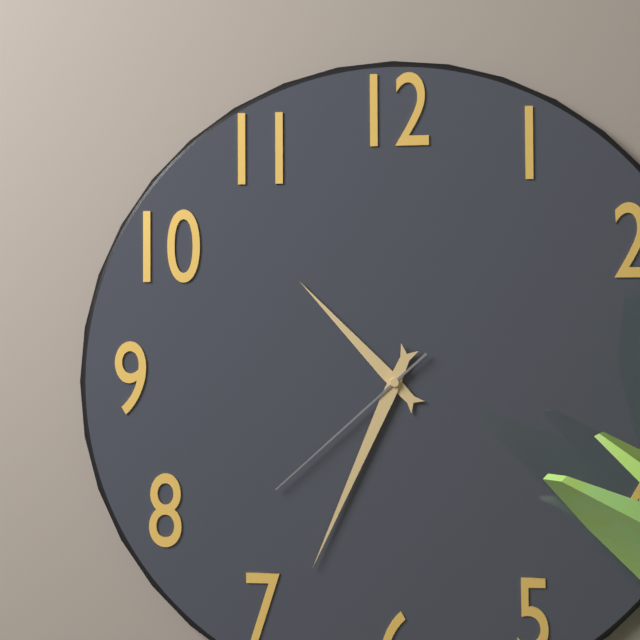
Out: 10:34:38
